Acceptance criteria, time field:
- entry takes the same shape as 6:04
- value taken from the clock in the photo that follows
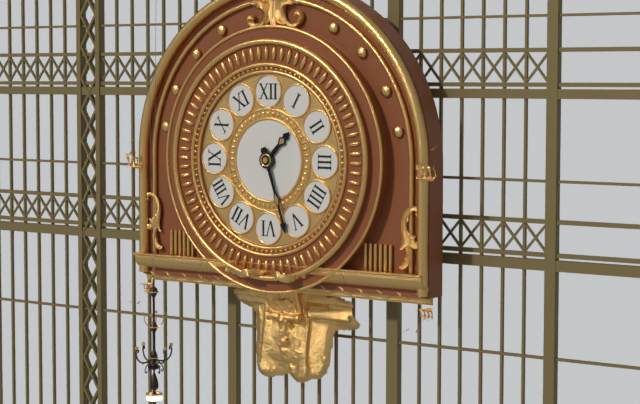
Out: 1:27
